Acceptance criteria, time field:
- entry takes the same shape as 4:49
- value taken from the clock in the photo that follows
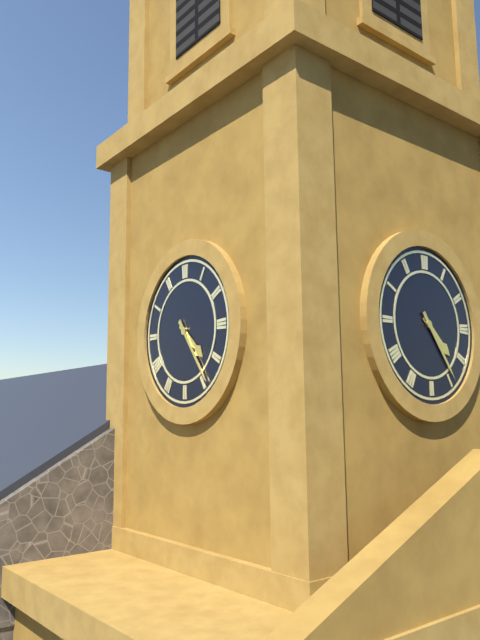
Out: 4:24
